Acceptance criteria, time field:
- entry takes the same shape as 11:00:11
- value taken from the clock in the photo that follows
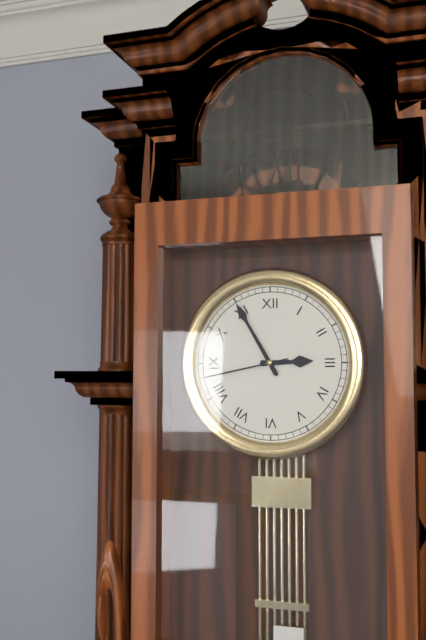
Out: 2:55:43
